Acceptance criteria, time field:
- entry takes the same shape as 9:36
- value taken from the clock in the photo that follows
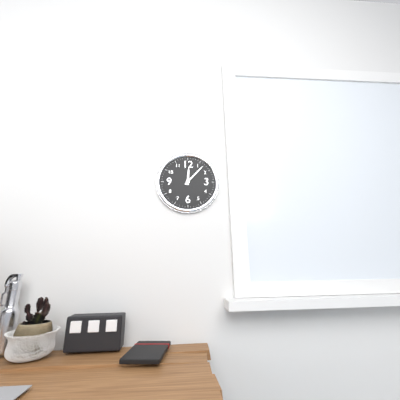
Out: 12:07
